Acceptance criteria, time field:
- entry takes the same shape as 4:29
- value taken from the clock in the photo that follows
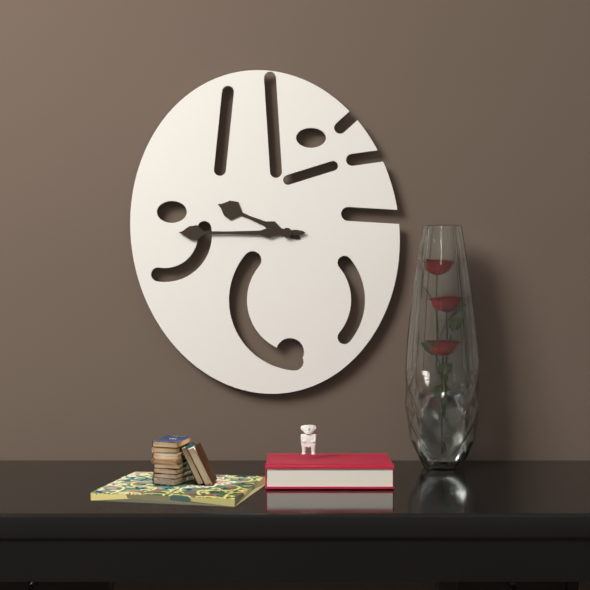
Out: 9:45
